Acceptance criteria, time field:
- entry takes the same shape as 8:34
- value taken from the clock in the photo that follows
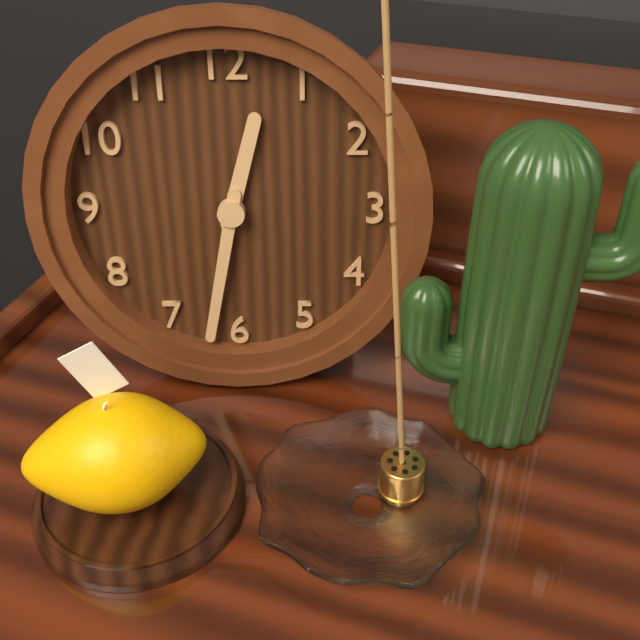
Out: 12:32
